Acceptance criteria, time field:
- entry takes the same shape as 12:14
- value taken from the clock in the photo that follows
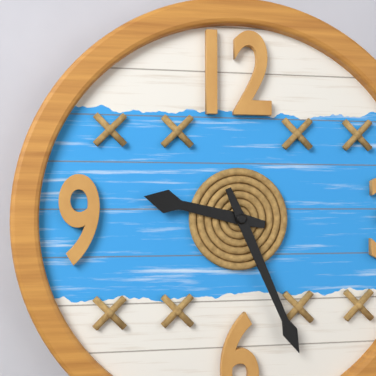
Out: 9:26
